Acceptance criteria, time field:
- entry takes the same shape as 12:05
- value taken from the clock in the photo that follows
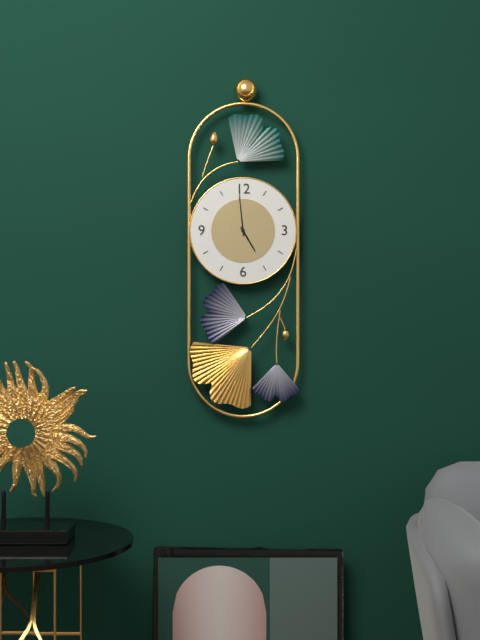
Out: 4:59
